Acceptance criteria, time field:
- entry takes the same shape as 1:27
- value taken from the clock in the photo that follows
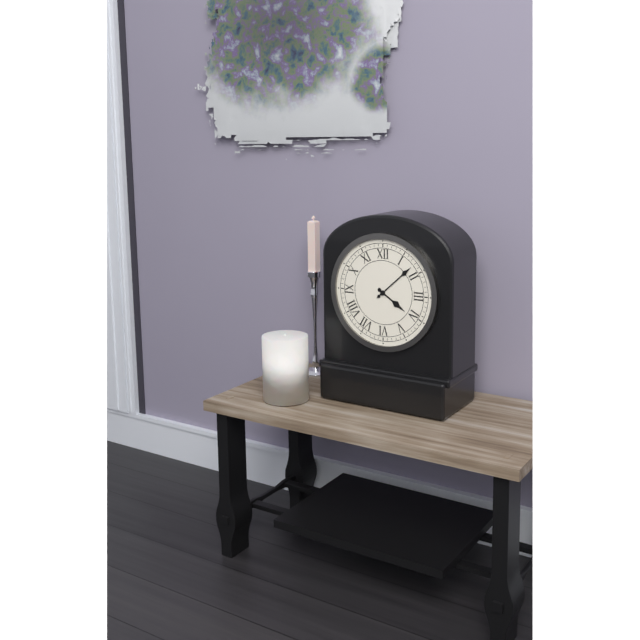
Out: 4:08
